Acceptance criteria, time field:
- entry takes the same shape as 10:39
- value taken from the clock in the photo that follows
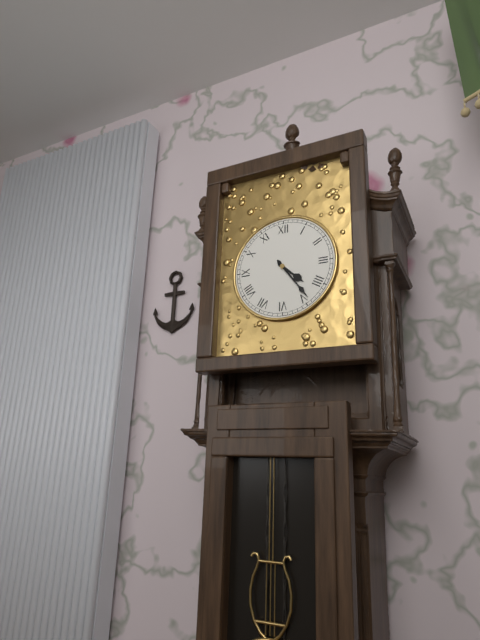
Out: 4:24
